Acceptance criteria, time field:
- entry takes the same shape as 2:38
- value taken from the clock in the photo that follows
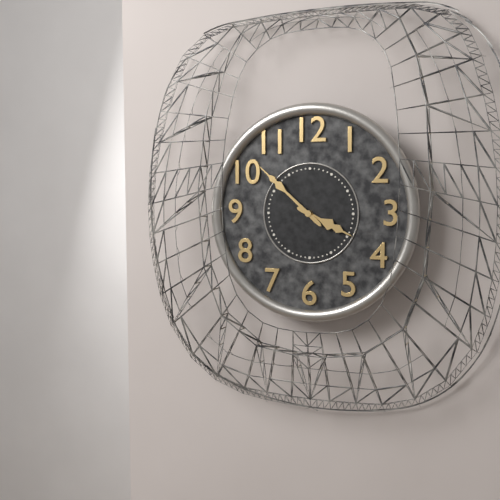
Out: 3:52
